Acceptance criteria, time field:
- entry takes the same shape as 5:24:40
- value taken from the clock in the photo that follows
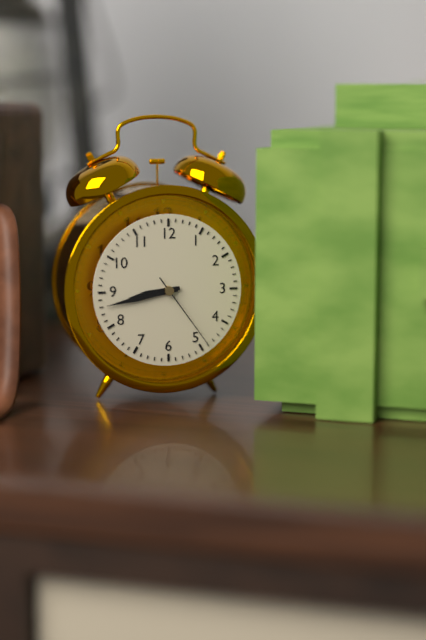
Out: 8:43:24
